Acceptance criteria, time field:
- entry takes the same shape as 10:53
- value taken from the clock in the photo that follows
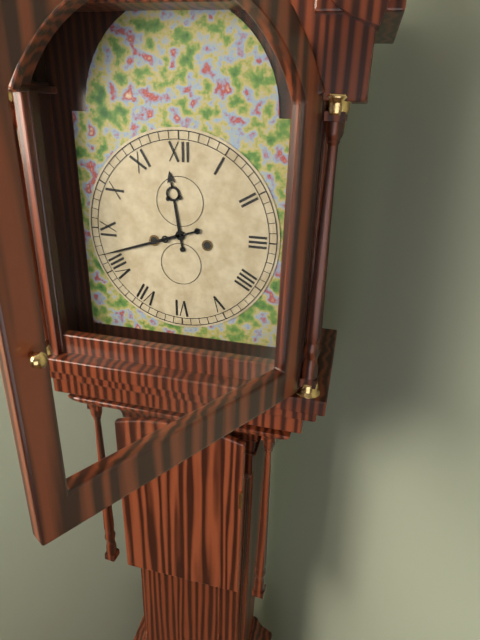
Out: 11:42
